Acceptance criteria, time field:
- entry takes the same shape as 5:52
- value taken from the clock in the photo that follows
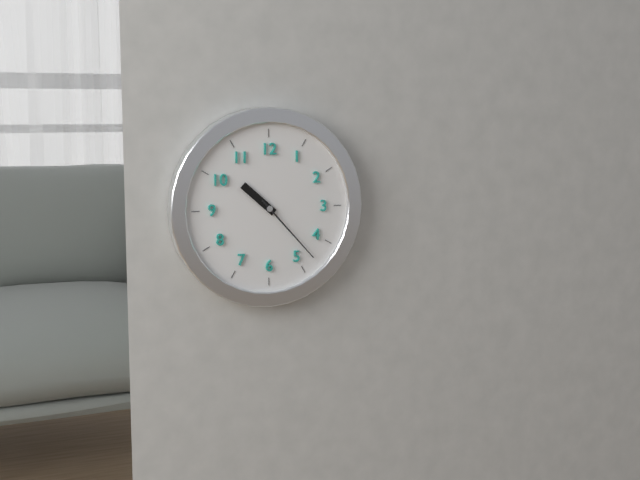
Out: 10:23
